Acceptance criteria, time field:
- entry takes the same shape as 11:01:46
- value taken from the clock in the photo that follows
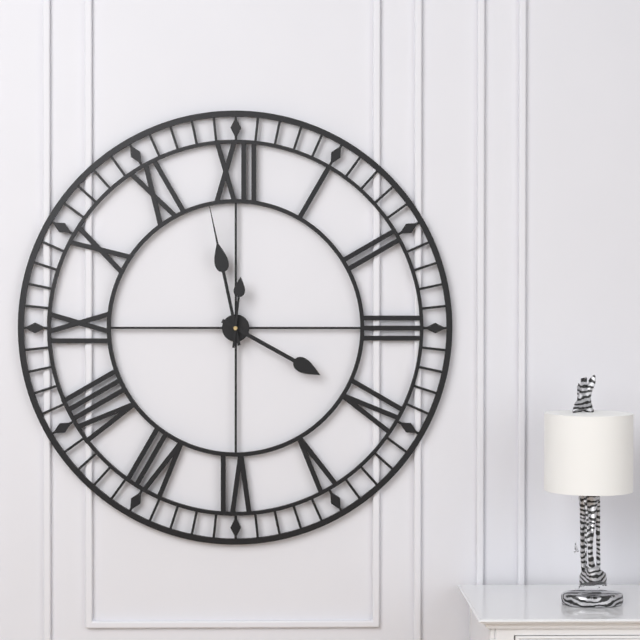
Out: 3:58:01
